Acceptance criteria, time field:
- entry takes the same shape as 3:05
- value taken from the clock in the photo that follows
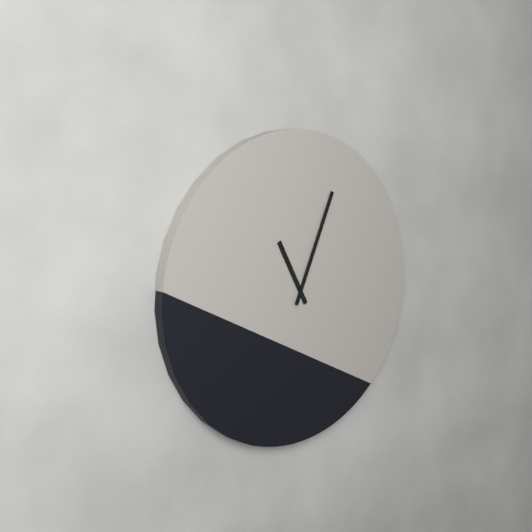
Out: 11:04
